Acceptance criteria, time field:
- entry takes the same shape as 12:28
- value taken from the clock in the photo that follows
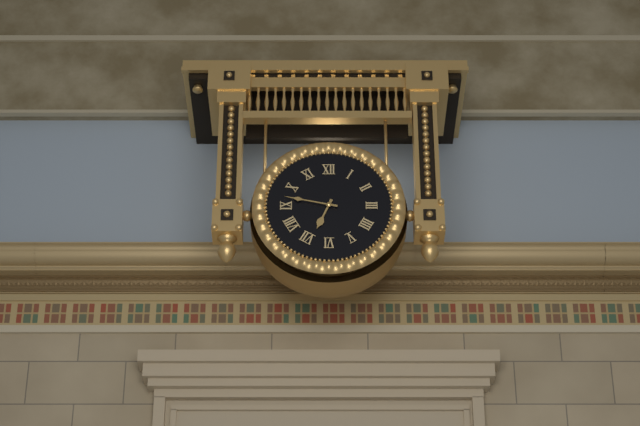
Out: 6:47
